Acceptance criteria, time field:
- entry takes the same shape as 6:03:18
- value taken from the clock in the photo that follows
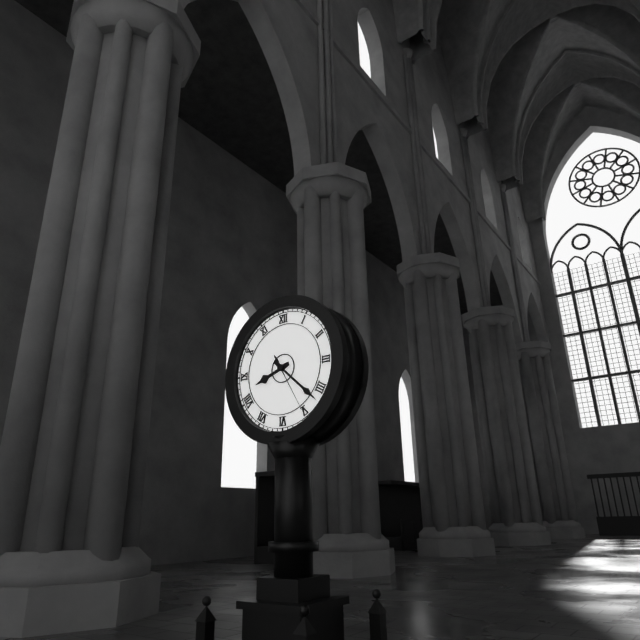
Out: 8:22:25
